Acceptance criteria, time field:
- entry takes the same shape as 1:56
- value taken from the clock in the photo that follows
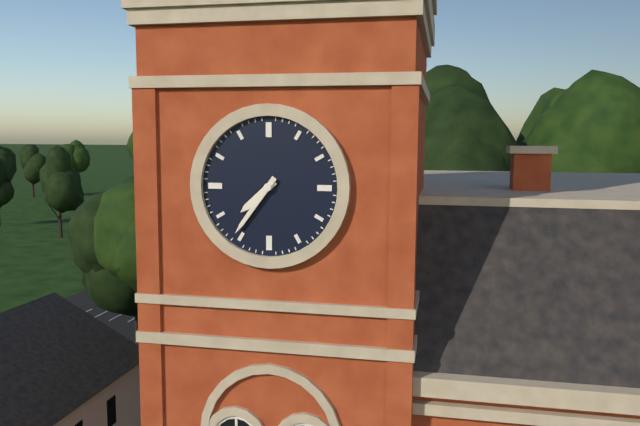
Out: 7:36
